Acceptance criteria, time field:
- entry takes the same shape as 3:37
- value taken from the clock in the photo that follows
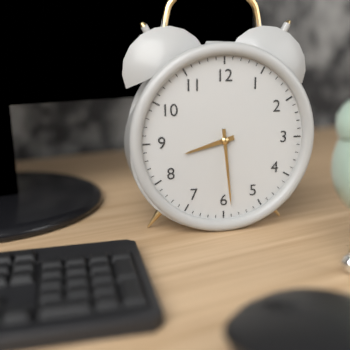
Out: 8:29
